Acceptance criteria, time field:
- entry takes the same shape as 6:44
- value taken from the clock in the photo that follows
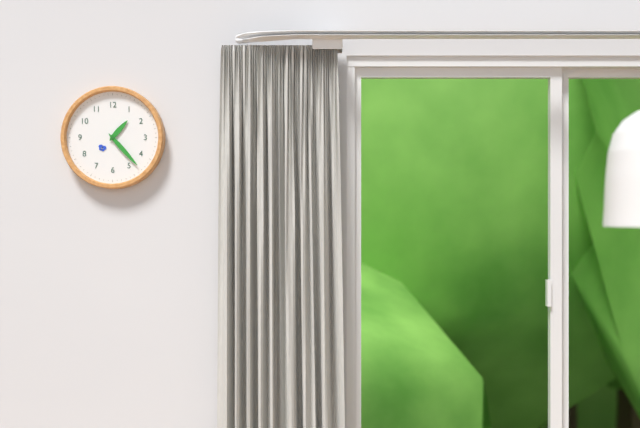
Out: 1:23
